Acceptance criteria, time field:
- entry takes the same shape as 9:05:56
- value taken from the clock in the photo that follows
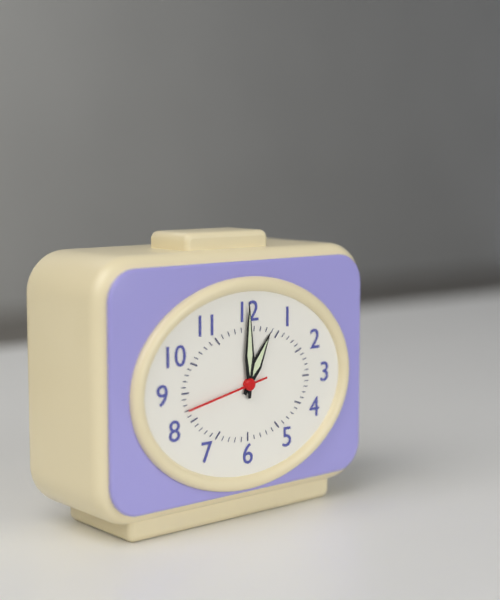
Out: 1:00:43
